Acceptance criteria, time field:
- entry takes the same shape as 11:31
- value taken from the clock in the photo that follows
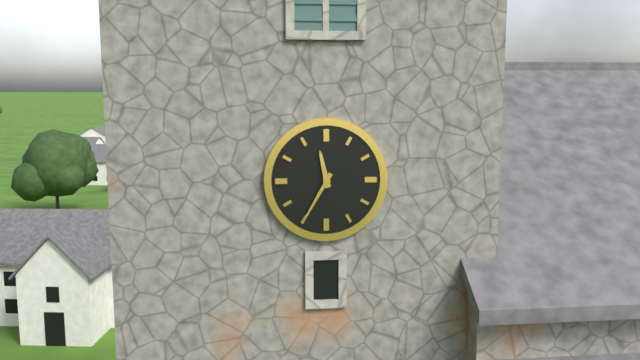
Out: 11:35
